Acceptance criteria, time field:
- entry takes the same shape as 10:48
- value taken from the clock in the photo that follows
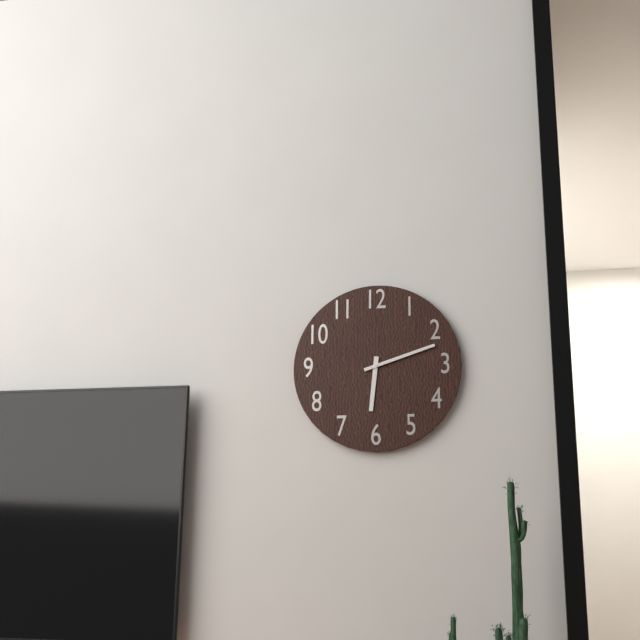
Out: 6:12
